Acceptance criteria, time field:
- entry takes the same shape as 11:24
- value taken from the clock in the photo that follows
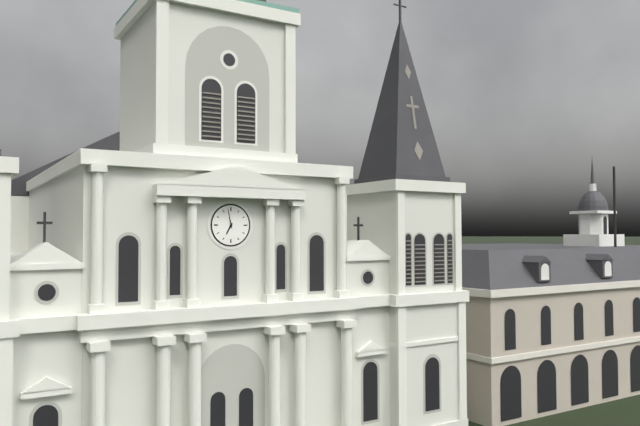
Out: 6:58
